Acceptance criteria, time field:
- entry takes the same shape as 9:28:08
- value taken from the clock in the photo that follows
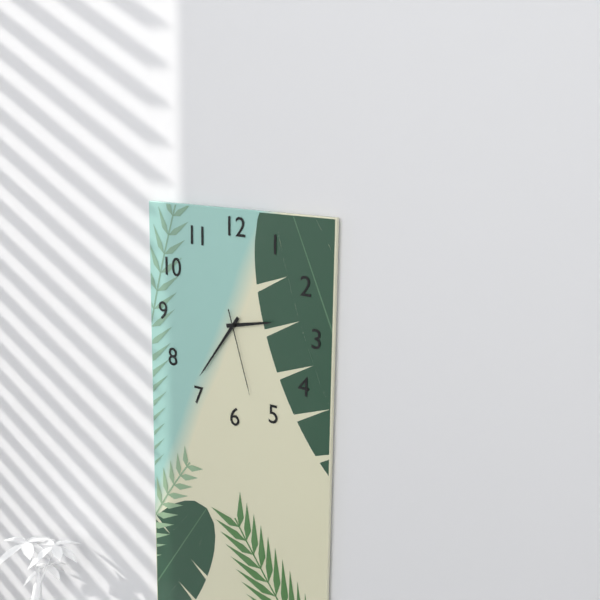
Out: 2:36:27
